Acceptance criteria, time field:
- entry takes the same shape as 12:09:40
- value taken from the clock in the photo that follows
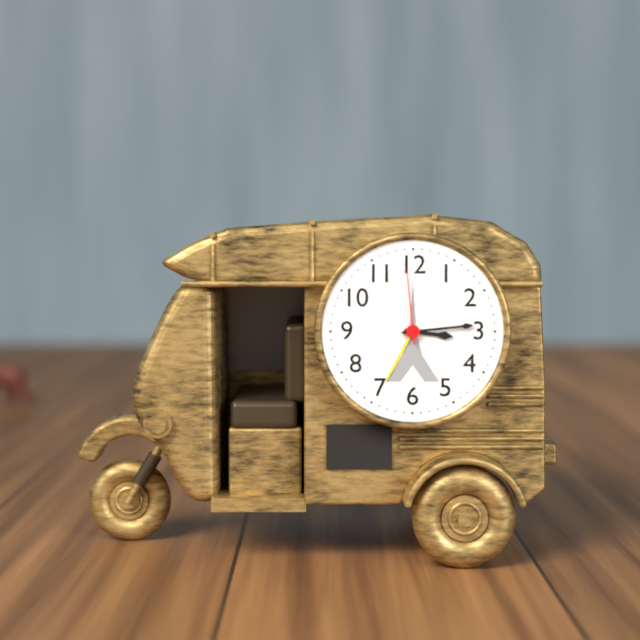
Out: 3:14:59
